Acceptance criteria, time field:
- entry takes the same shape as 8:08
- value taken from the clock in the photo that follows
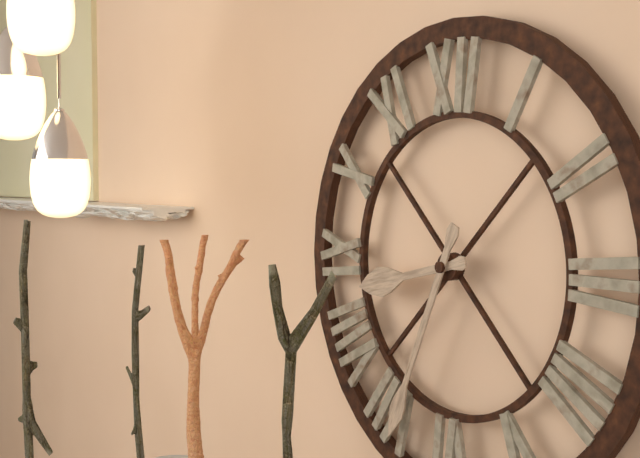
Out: 8:34
